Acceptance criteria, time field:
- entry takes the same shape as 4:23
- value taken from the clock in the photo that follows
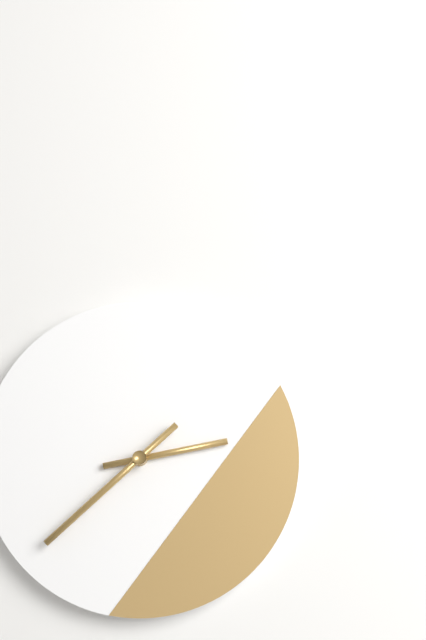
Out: 2:38
